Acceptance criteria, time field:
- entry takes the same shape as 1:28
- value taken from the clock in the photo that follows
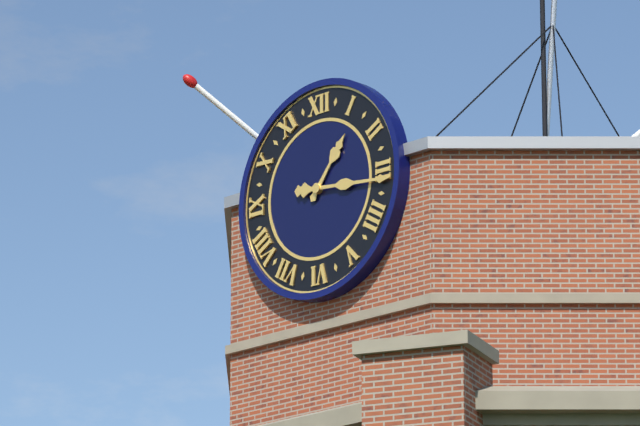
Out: 1:16
